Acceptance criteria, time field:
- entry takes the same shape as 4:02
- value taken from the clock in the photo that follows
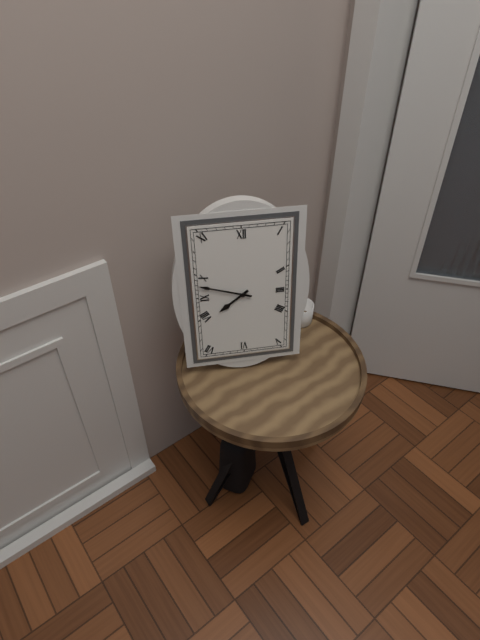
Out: 7:48
